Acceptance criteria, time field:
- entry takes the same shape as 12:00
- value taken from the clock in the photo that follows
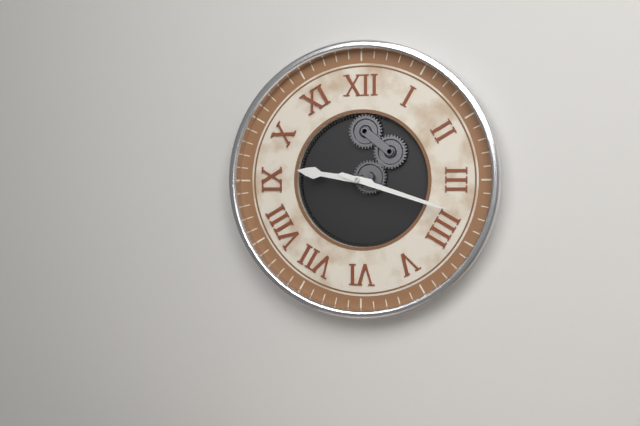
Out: 9:18
